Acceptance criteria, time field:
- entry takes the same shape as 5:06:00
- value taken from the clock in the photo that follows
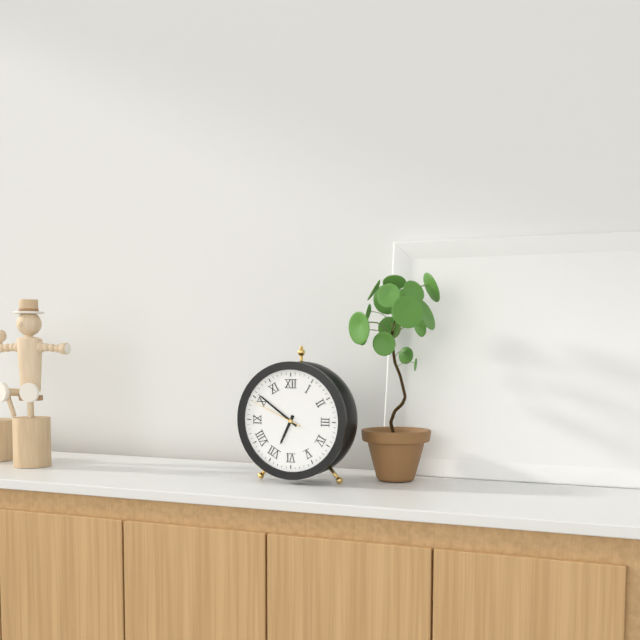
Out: 6:51:49
